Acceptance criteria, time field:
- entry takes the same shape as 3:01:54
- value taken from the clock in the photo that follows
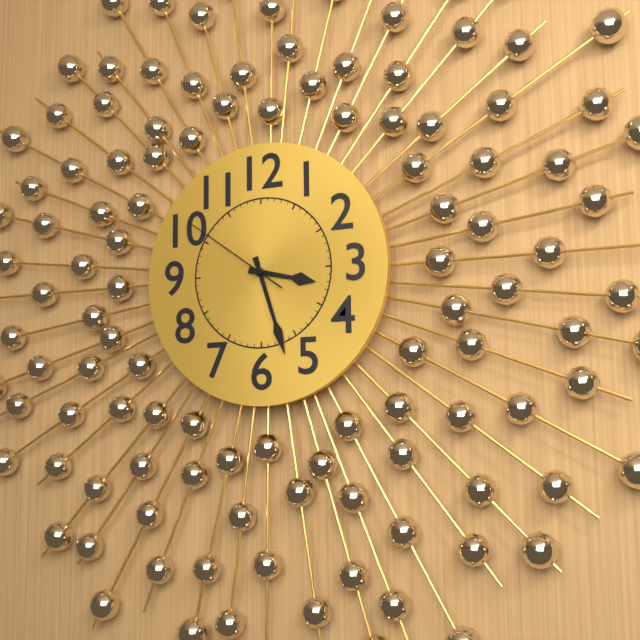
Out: 3:27:51
